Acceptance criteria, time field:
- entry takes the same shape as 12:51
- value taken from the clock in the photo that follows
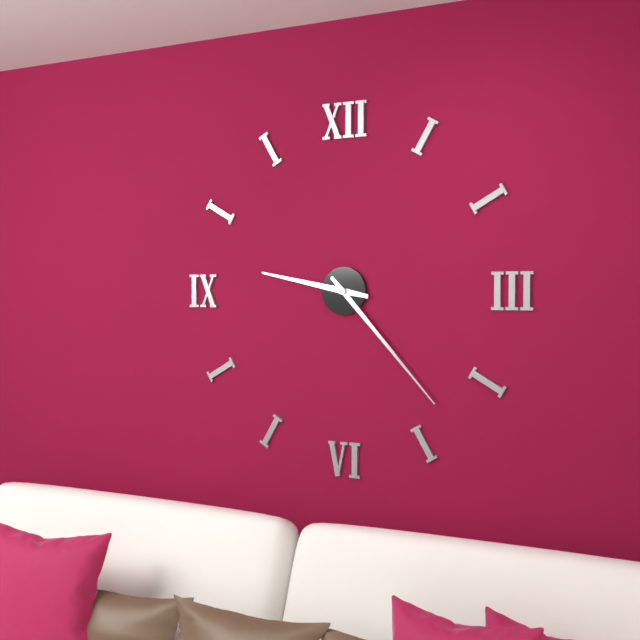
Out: 9:23
